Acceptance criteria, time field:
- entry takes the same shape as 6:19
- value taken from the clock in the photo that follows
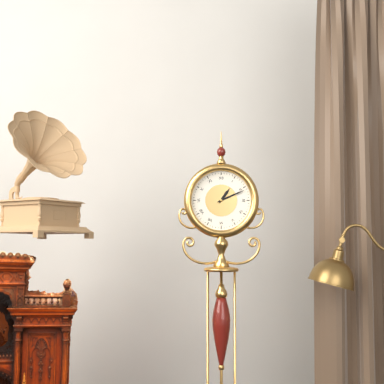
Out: 1:11
